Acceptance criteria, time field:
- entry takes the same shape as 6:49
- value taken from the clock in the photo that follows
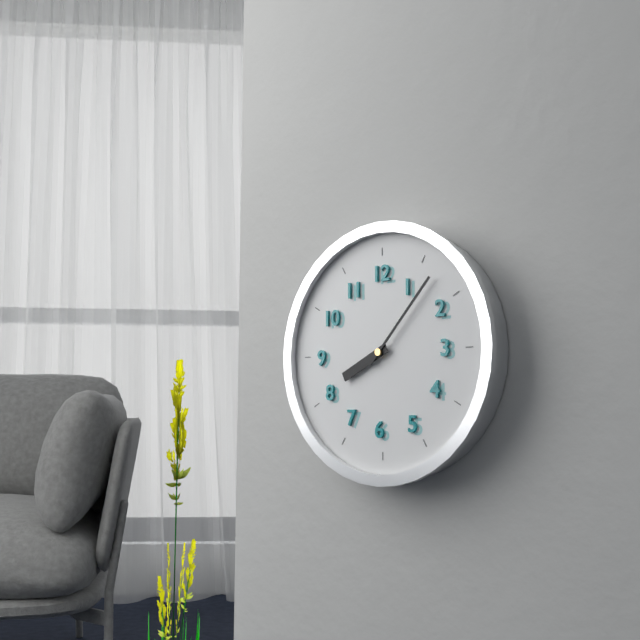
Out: 8:07
